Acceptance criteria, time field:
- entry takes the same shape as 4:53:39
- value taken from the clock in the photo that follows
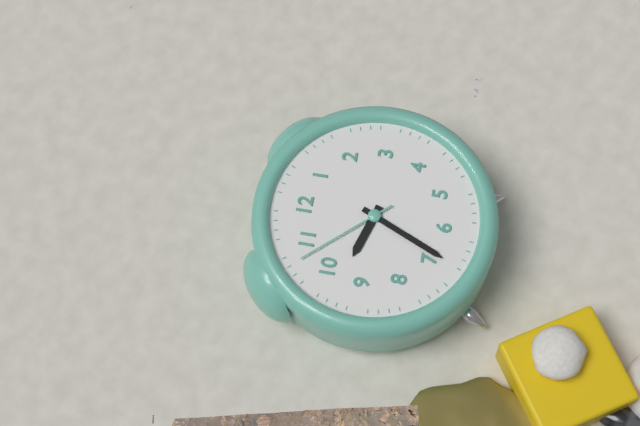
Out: 9:34:53
